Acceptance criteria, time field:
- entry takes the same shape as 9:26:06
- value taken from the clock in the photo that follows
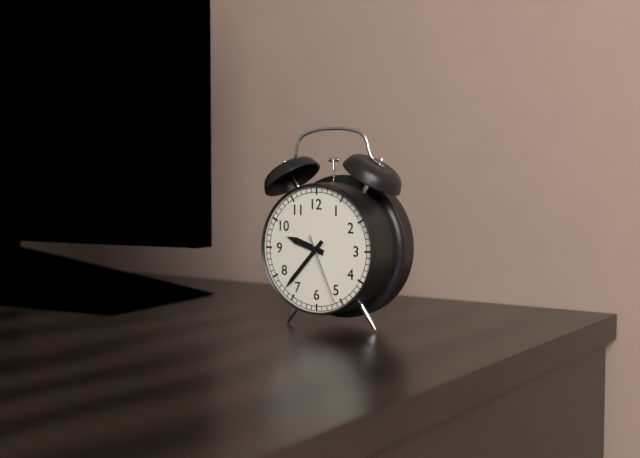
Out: 9:37:26
